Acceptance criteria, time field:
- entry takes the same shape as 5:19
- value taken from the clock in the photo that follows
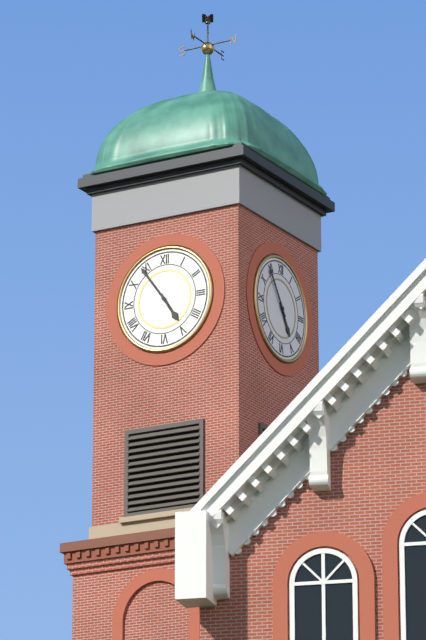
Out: 4:54
